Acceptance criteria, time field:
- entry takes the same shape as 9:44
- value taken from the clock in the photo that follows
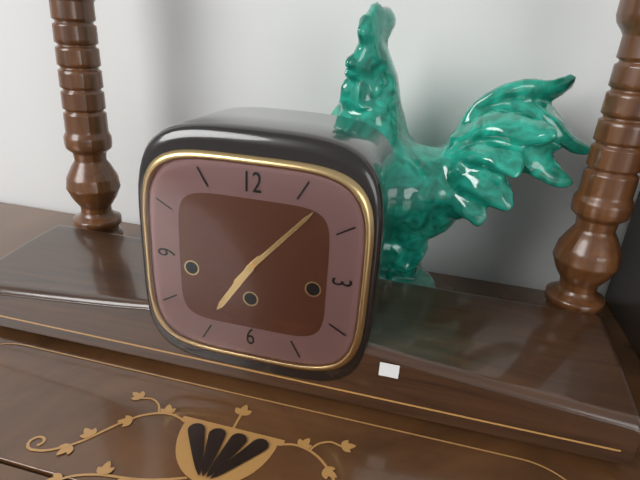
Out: 7:07
